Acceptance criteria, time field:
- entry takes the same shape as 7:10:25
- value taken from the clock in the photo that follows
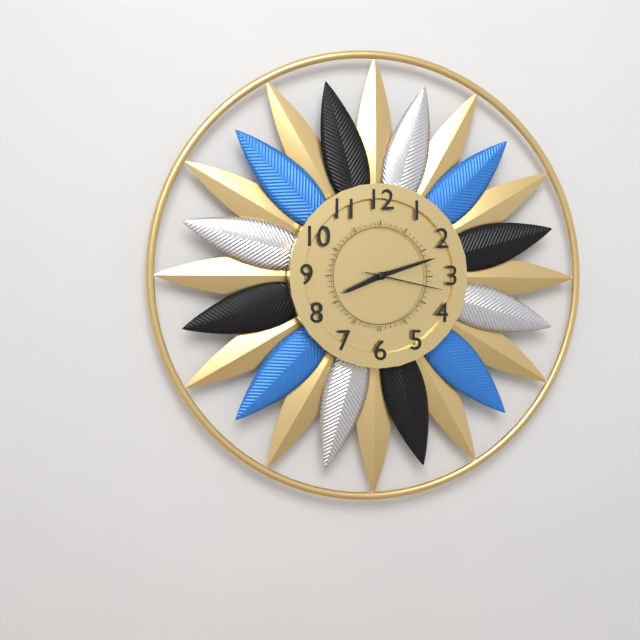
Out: 8:12:17
